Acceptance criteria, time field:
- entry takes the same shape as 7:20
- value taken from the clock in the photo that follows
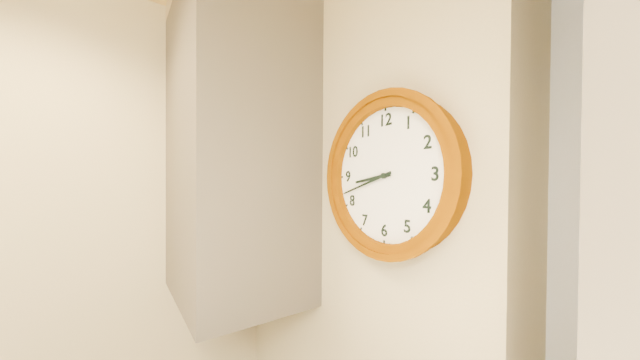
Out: 8:42
